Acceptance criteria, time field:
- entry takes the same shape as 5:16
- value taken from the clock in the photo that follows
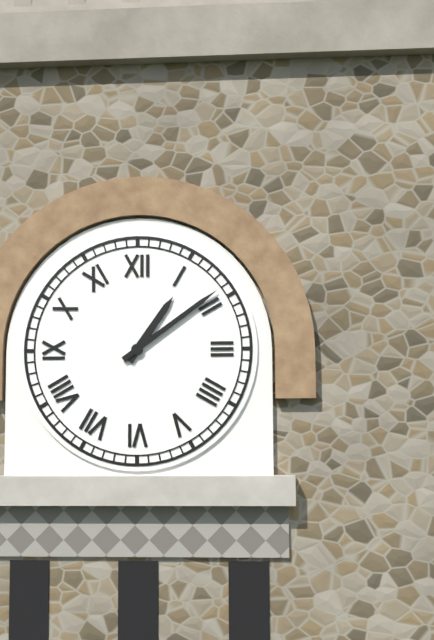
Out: 1:09
